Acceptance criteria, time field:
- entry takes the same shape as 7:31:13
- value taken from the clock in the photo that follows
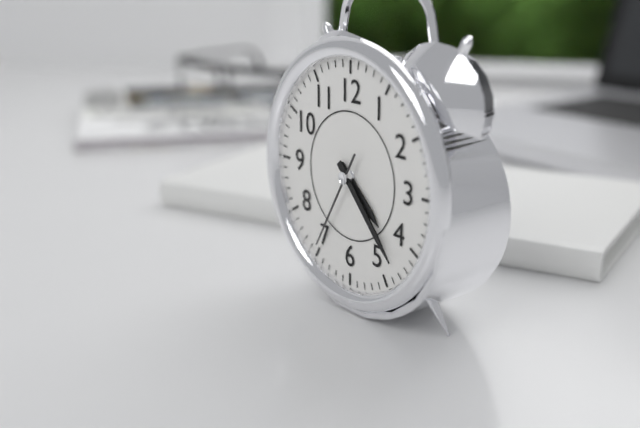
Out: 4:23:35
